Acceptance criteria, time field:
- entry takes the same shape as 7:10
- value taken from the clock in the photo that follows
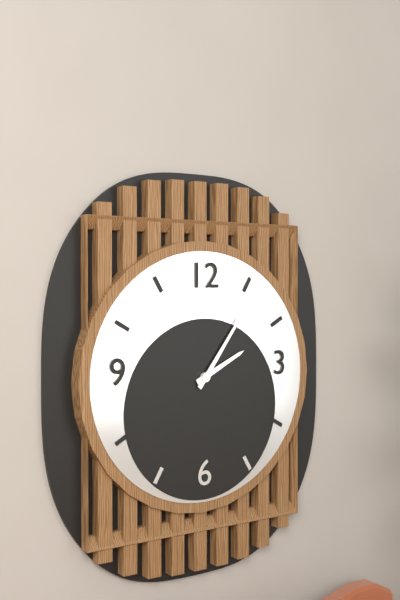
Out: 2:06
